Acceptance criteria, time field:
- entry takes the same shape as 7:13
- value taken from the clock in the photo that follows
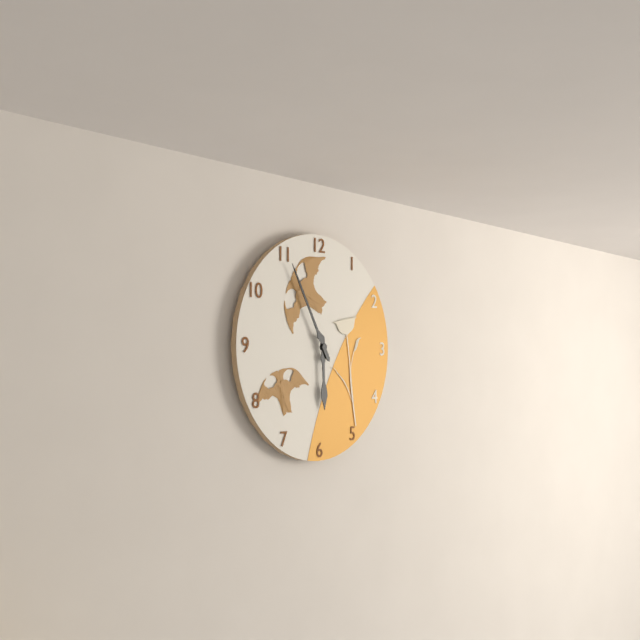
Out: 5:55
